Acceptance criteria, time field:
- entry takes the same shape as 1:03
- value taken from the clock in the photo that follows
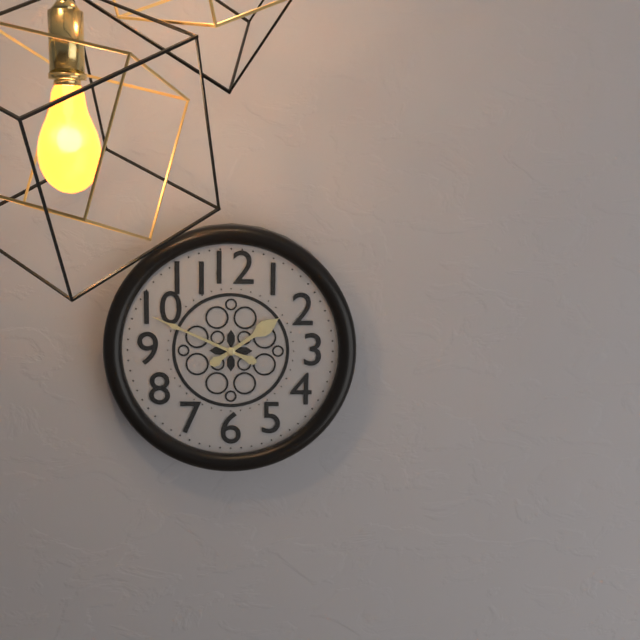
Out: 1:49
